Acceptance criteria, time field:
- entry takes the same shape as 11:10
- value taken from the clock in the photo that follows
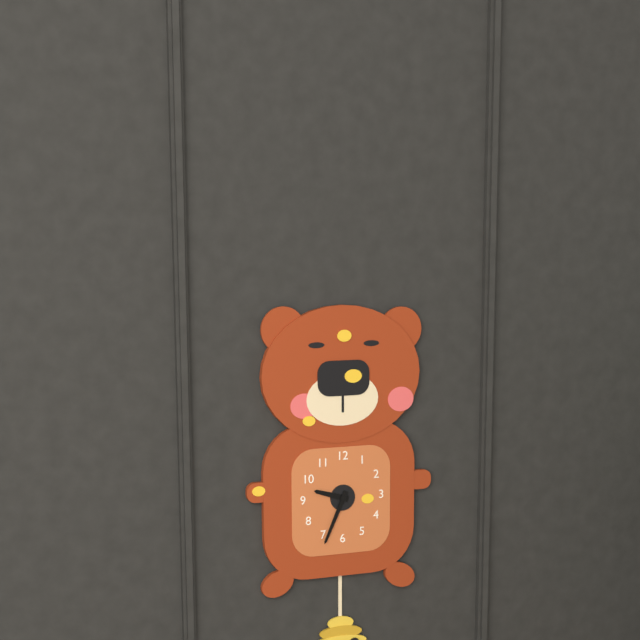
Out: 9:34
